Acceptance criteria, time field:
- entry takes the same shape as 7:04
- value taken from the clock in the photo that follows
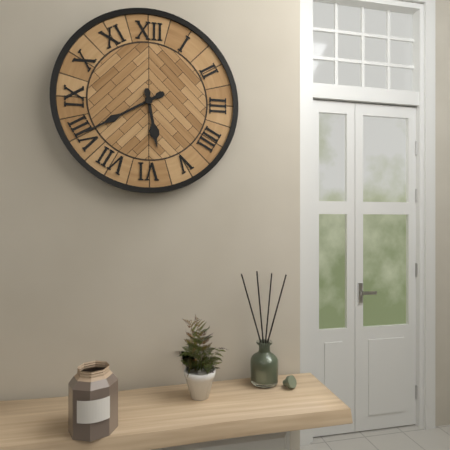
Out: 5:40
